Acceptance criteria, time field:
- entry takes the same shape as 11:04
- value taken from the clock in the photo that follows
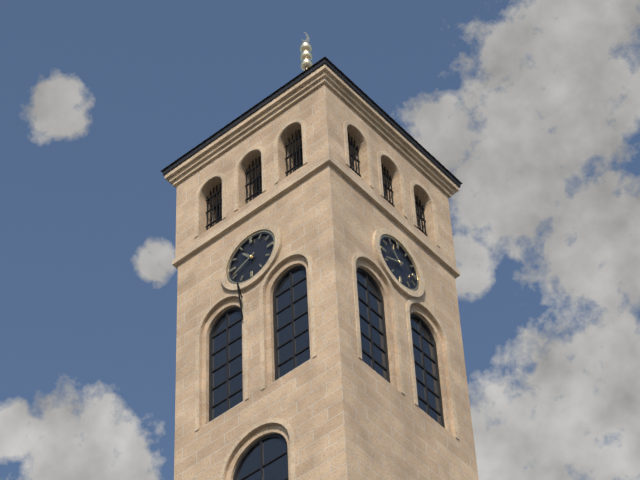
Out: 10:41
